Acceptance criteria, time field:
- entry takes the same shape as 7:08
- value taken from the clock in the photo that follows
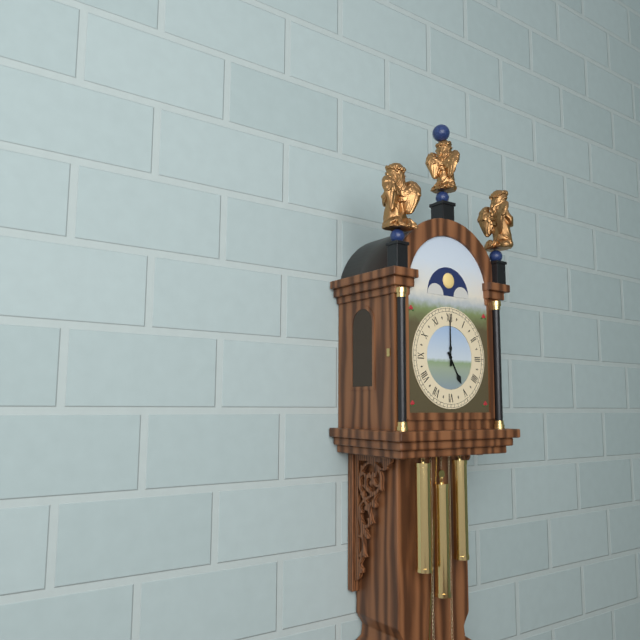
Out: 5:00
